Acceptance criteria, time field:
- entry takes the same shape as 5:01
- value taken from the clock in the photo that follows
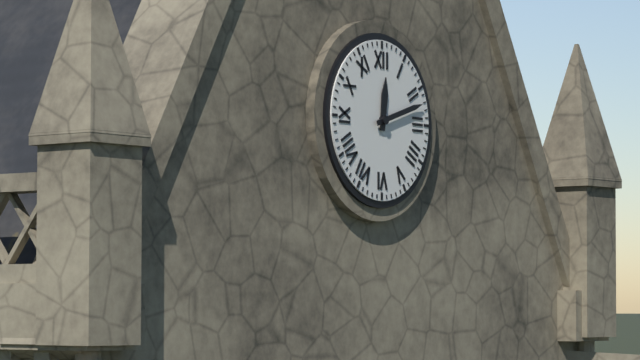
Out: 12:12
